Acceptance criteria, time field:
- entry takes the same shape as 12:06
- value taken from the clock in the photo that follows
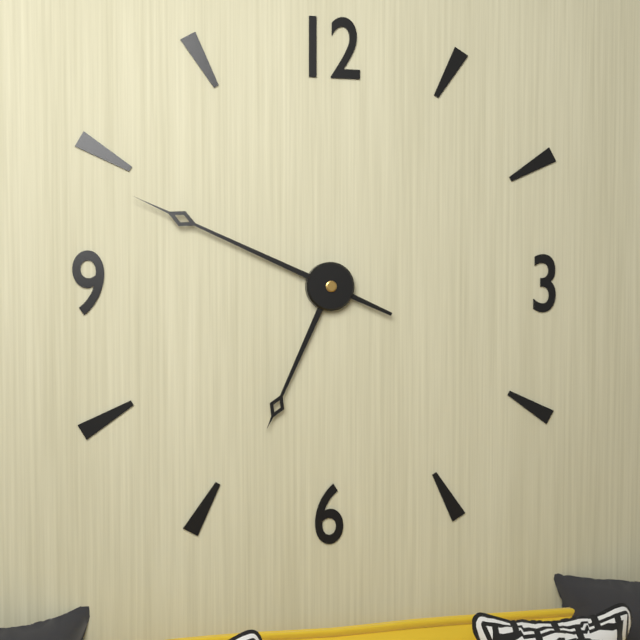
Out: 6:49
